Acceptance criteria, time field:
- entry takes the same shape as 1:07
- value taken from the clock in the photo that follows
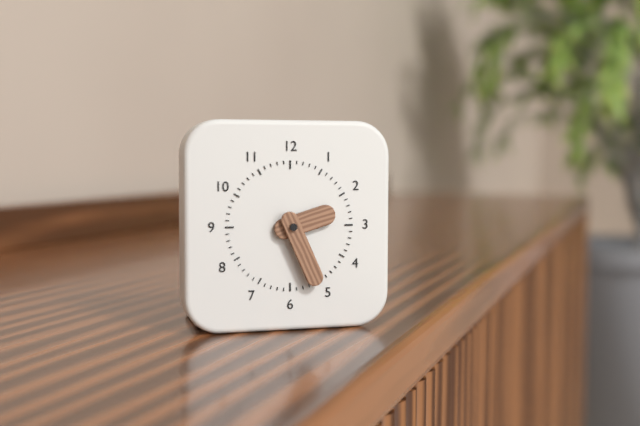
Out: 2:26
